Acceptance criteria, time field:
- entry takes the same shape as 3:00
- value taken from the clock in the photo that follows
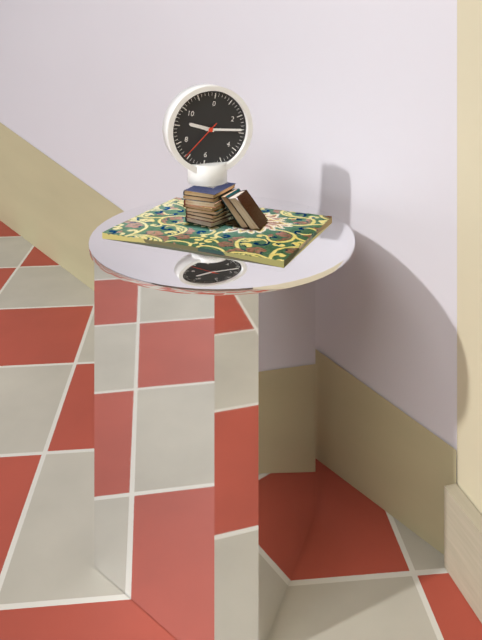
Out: 9:14
